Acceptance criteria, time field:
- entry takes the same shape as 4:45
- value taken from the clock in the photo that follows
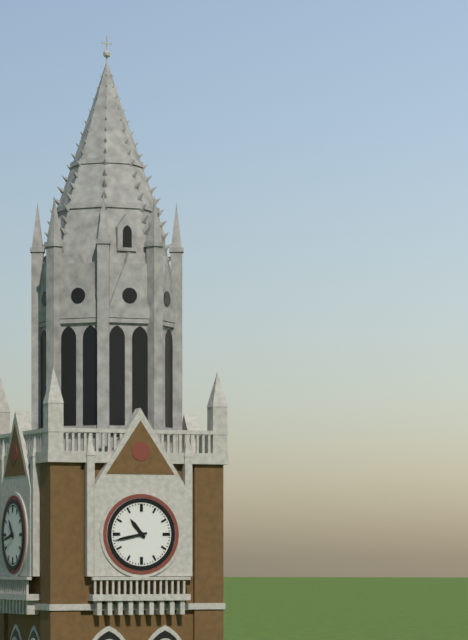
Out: 10:43
